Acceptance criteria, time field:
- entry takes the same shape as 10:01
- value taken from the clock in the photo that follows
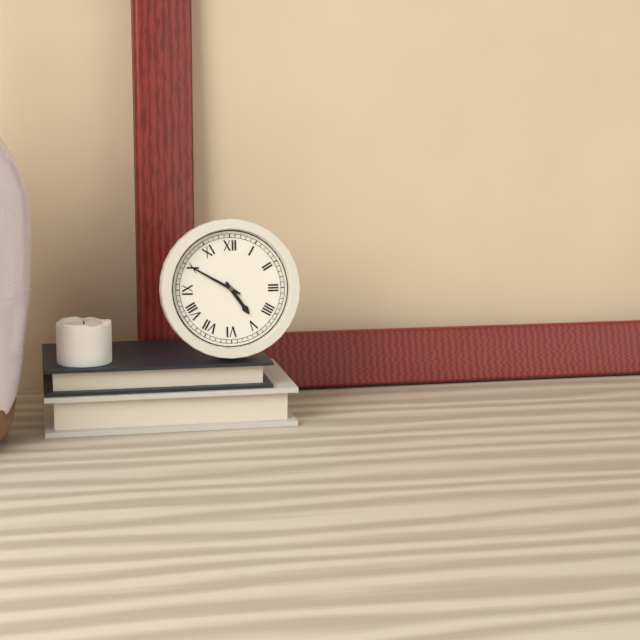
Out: 4:50
